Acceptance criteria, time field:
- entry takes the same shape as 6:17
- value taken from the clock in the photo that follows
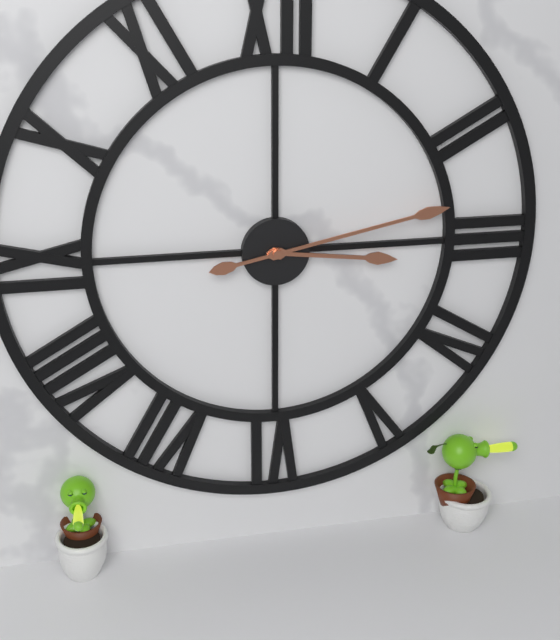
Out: 3:13
